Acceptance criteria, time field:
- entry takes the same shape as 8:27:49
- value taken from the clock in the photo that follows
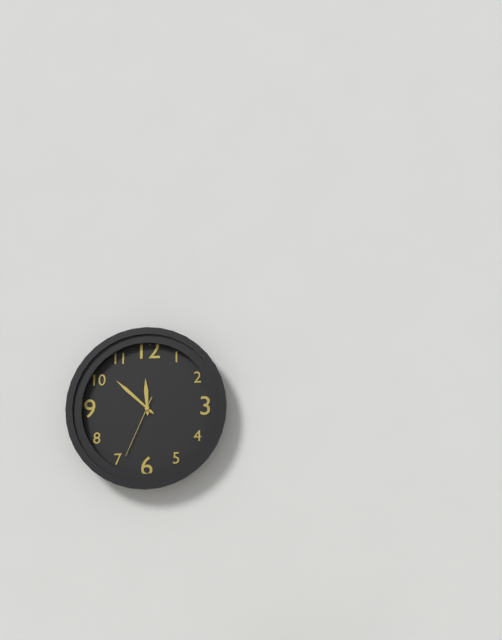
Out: 11:52:34
